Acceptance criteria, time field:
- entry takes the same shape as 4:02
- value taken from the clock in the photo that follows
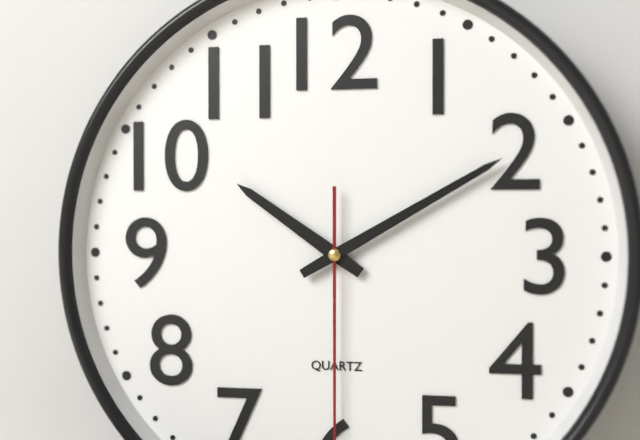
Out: 10:10
